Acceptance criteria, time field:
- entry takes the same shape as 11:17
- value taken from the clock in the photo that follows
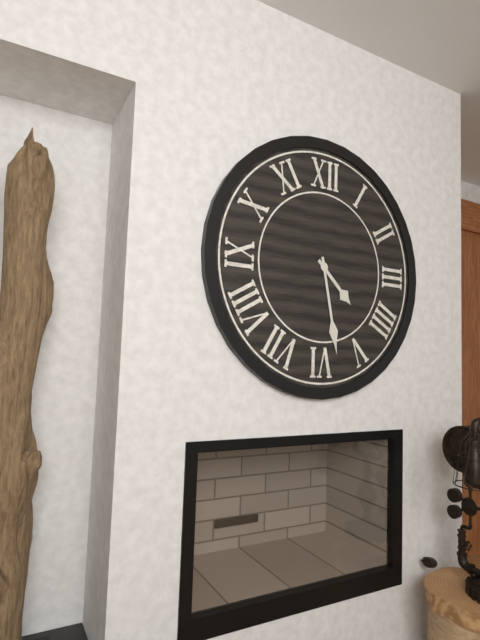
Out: 4:28
